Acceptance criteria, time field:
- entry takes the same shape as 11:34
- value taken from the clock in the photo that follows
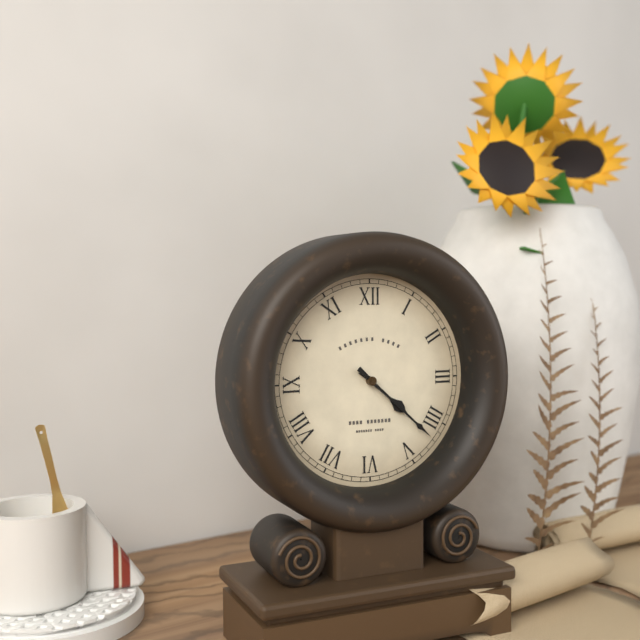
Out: 4:22
